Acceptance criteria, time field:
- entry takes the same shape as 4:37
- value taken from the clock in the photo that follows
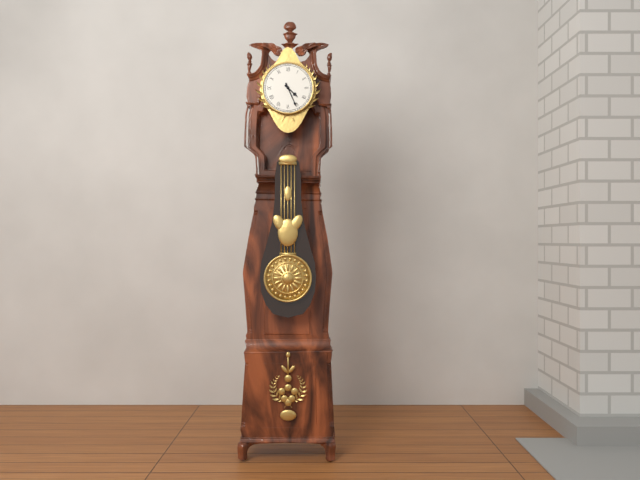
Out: 4:26
